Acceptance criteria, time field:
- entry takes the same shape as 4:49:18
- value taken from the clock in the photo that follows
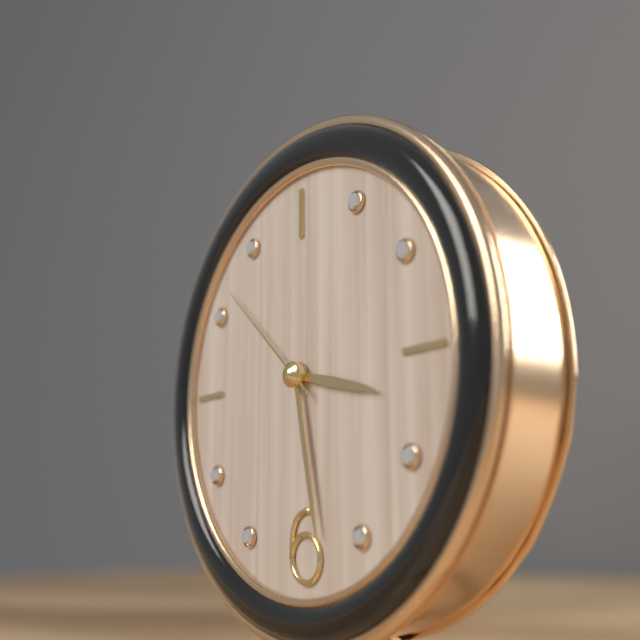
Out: 3:28:52
